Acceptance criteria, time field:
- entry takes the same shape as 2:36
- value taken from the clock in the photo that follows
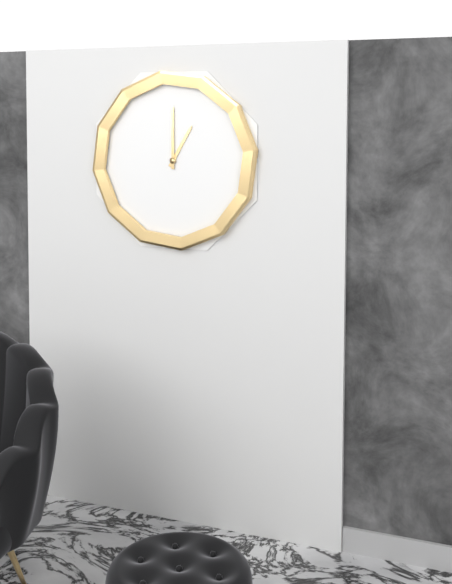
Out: 1:00
